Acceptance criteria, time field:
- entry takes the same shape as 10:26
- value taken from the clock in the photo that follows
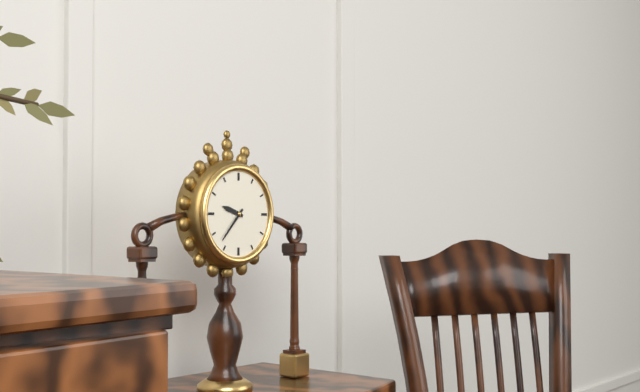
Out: 9:37
